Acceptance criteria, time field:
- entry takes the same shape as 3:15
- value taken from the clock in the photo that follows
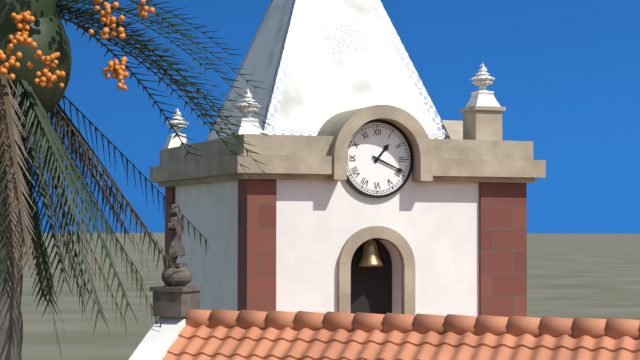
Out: 1:19
